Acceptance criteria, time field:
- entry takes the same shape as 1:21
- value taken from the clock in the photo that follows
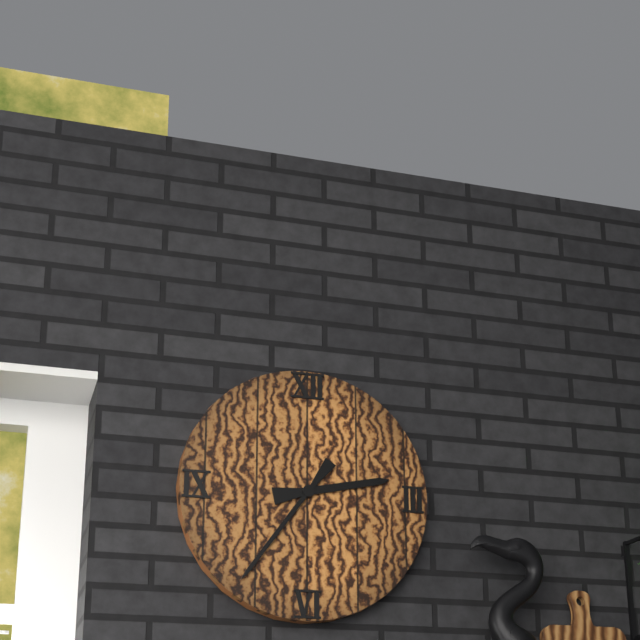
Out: 2:36
